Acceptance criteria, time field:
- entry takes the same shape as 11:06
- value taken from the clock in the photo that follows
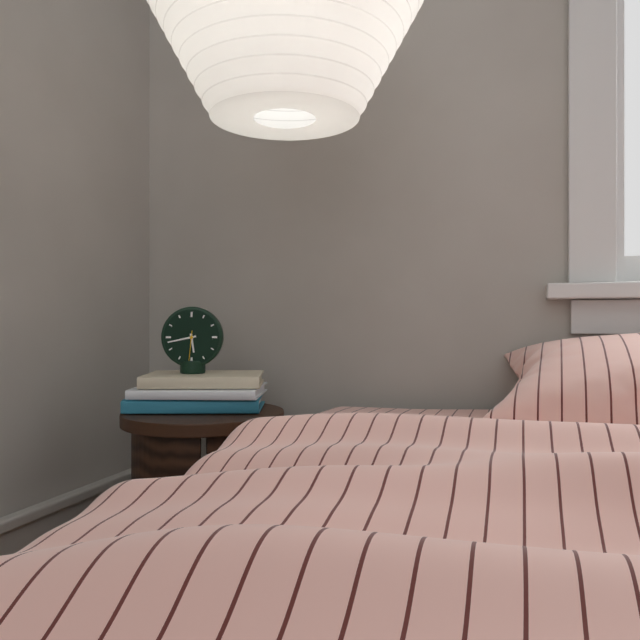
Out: 5:43
